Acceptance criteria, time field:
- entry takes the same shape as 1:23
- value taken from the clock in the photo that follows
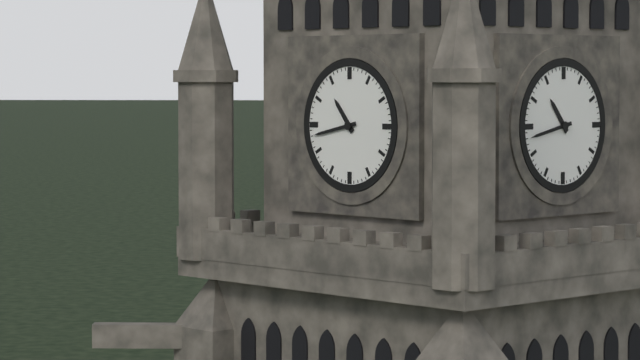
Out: 10:43
